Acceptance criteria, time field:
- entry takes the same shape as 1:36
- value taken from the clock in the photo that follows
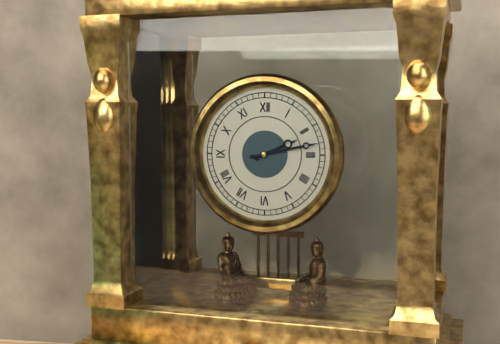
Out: 2:13
